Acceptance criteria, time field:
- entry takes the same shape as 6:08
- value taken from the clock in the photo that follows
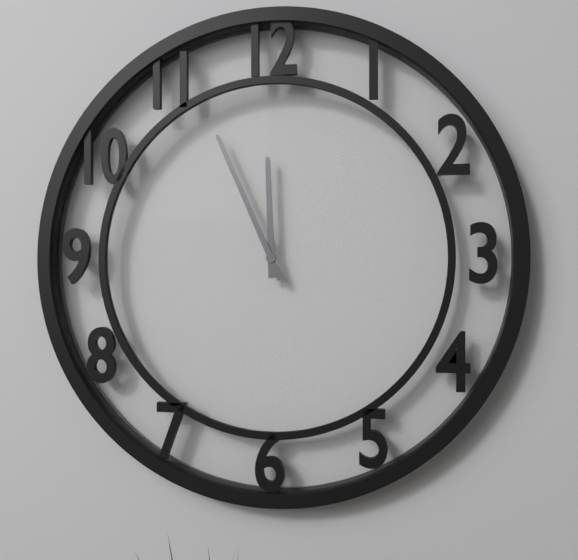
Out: 11:56
